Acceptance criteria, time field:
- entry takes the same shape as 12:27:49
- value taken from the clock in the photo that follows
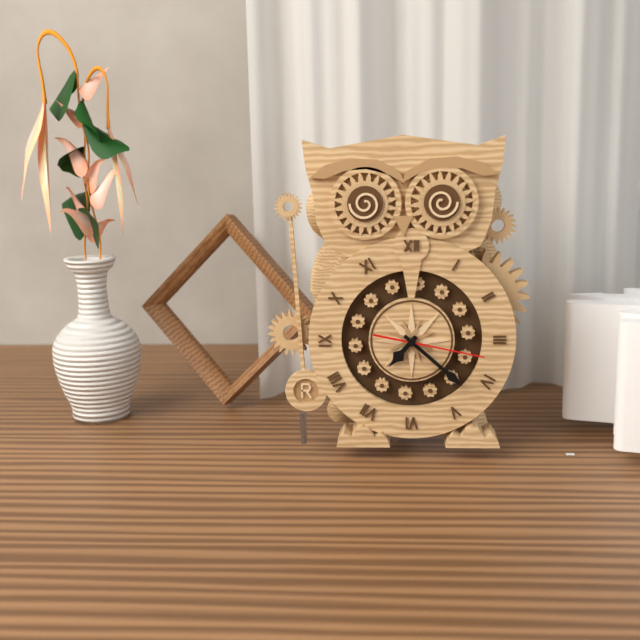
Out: 7:22:17
